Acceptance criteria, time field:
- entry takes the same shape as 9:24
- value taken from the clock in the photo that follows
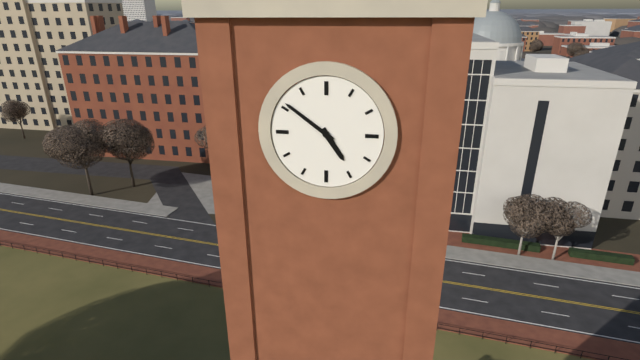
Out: 4:51
